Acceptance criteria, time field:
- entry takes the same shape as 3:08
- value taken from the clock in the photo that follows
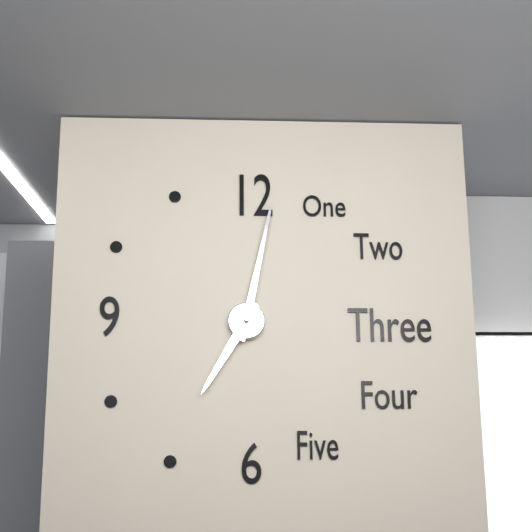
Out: 7:02
